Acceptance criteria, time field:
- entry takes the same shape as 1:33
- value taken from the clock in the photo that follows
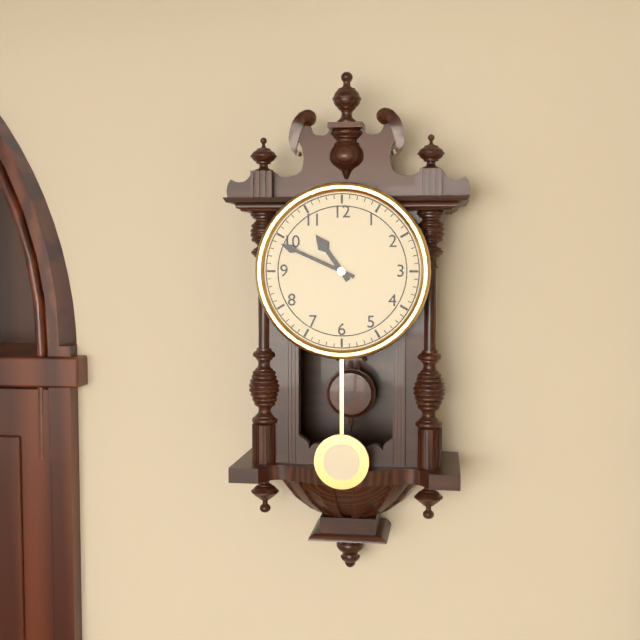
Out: 10:49
